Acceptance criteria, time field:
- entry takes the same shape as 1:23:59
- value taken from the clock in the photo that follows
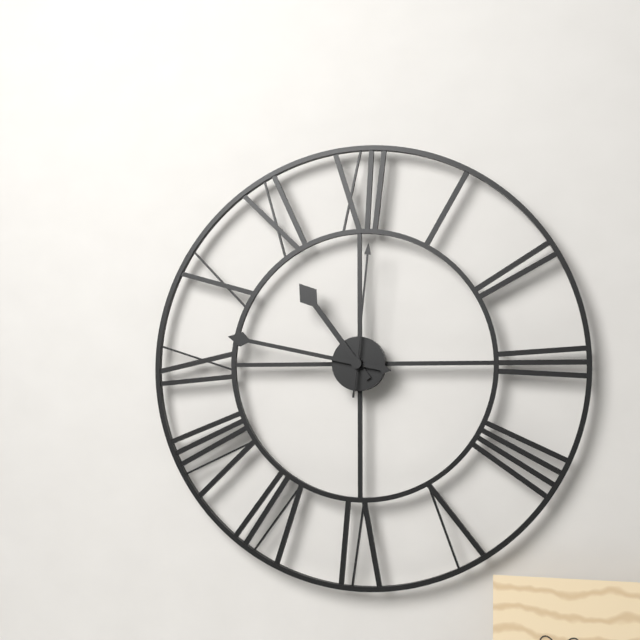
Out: 10:47:01
